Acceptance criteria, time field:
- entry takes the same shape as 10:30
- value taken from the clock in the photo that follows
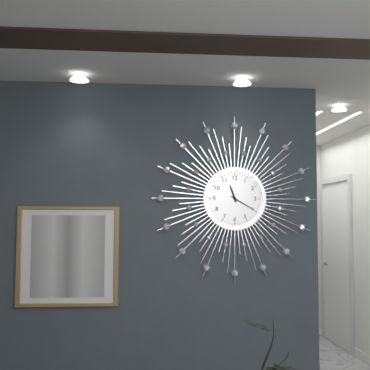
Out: 11:20
